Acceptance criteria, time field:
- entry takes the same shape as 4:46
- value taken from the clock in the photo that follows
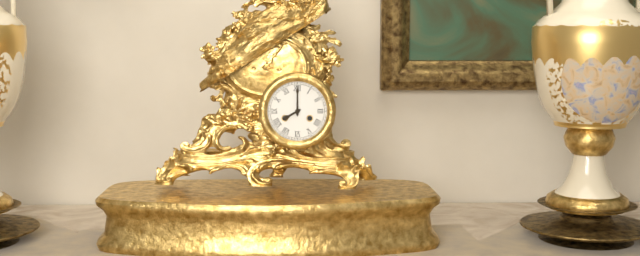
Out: 8:00
